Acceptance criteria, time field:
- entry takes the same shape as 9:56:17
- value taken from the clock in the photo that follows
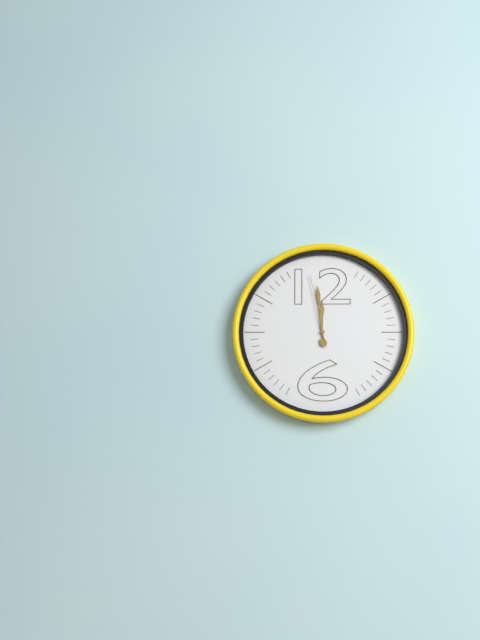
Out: 11:59:58
